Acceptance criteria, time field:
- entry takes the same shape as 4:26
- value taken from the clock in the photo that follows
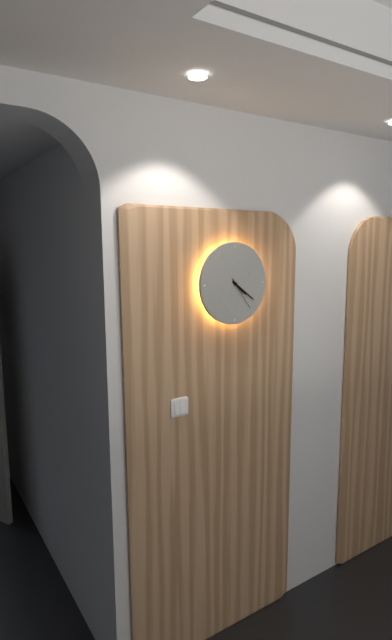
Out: 4:21
